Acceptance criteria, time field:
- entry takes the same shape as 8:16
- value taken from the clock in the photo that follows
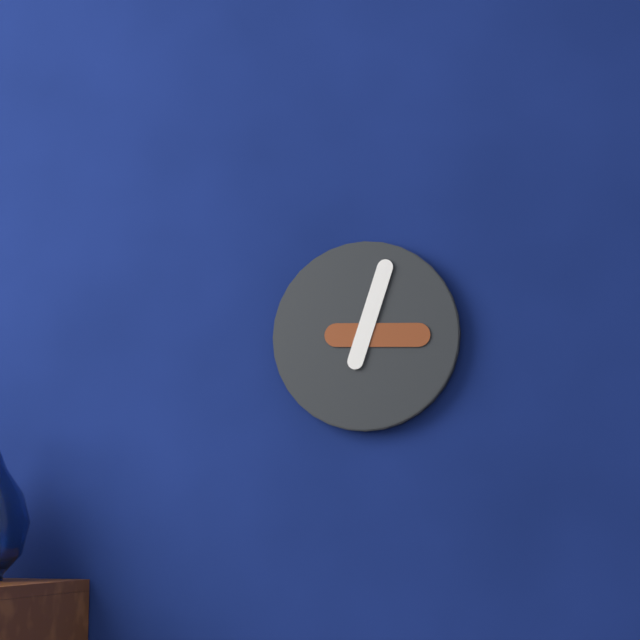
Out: 3:03
